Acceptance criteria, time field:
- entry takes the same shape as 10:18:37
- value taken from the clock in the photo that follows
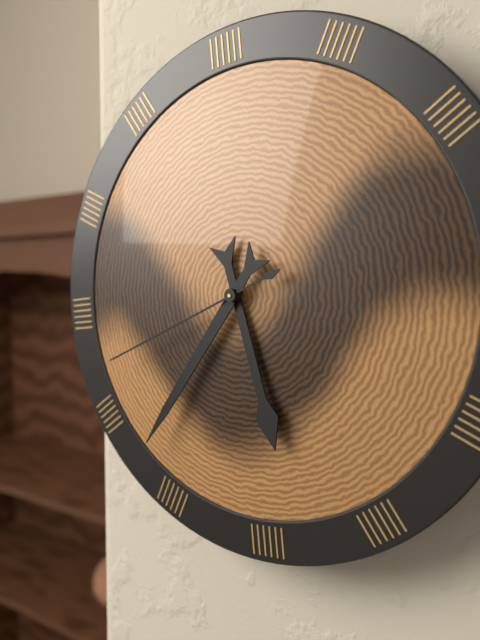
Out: 5:37:42
